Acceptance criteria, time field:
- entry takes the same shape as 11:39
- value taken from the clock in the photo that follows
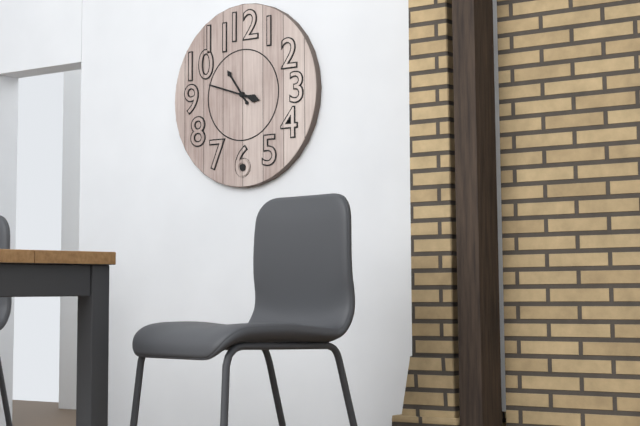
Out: 10:48
